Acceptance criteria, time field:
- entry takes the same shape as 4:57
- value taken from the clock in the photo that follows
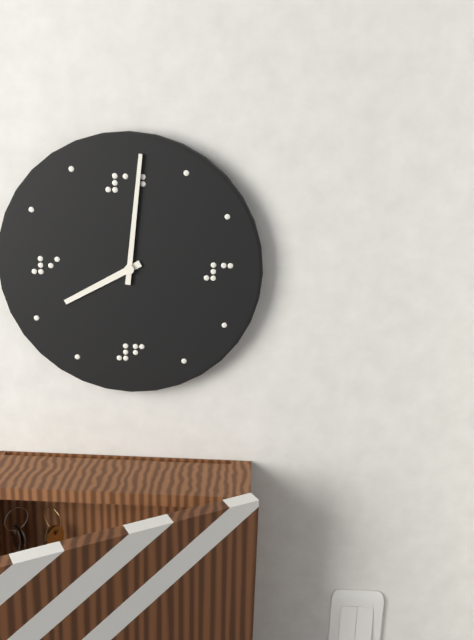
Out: 8:01
